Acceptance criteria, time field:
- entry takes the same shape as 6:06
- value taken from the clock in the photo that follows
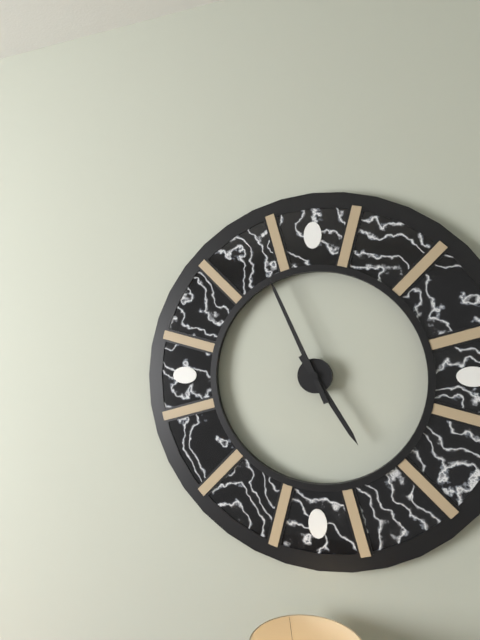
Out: 4:56
